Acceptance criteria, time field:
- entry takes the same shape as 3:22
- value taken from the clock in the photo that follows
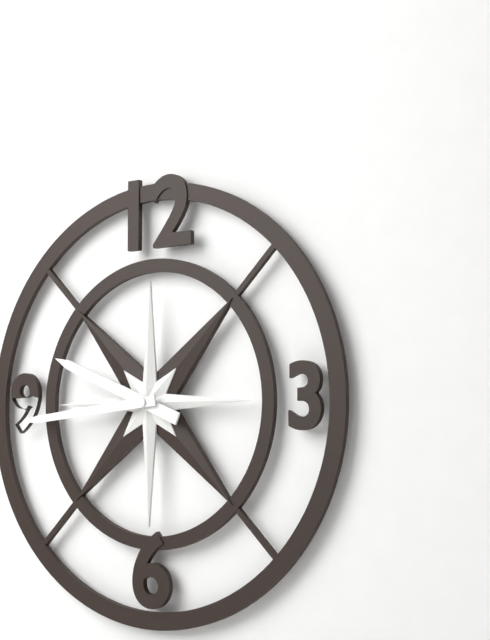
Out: 9:44
